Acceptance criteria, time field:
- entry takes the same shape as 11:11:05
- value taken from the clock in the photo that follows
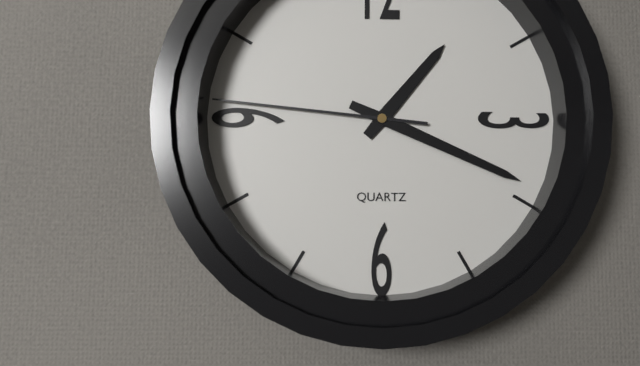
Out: 1:19:46
